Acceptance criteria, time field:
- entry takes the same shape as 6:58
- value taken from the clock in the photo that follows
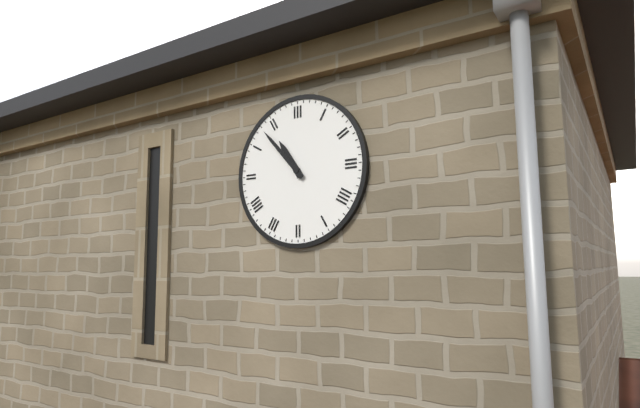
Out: 10:53
